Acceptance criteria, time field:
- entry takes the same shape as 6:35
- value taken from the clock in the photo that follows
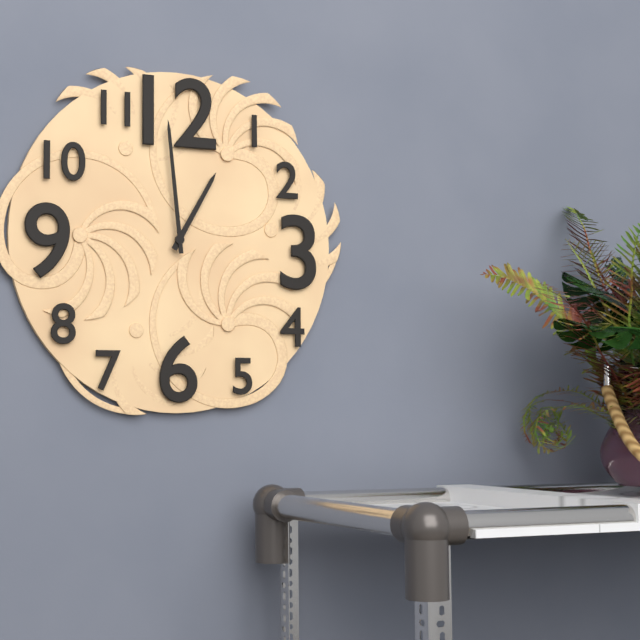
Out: 12:59
